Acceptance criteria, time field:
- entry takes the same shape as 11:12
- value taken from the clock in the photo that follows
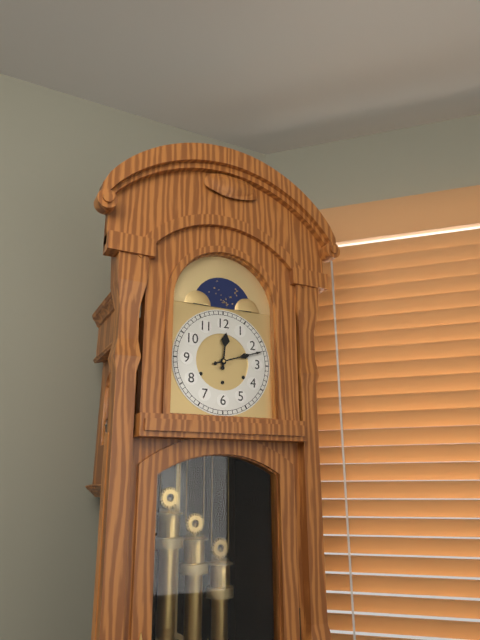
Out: 12:12
